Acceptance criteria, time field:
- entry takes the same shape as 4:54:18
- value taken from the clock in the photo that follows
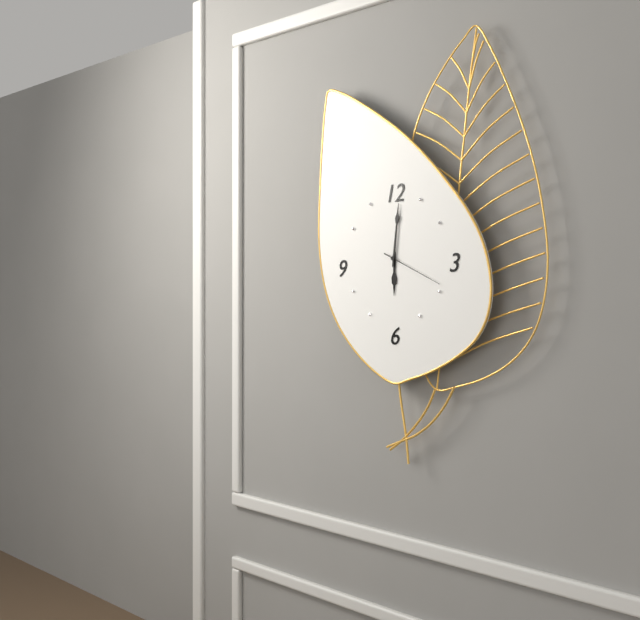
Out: 6:01:19
